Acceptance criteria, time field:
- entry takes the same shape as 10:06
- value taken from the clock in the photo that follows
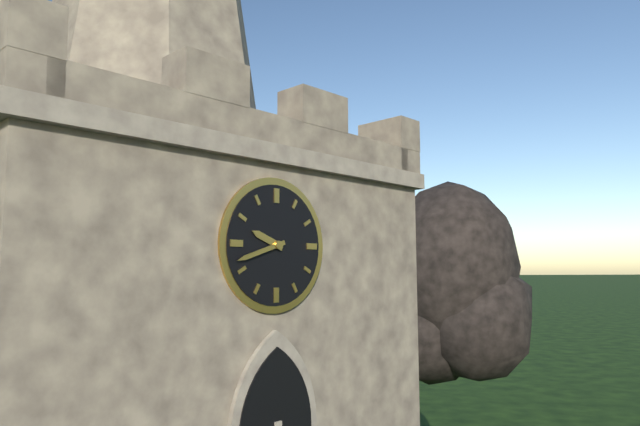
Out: 9:42
